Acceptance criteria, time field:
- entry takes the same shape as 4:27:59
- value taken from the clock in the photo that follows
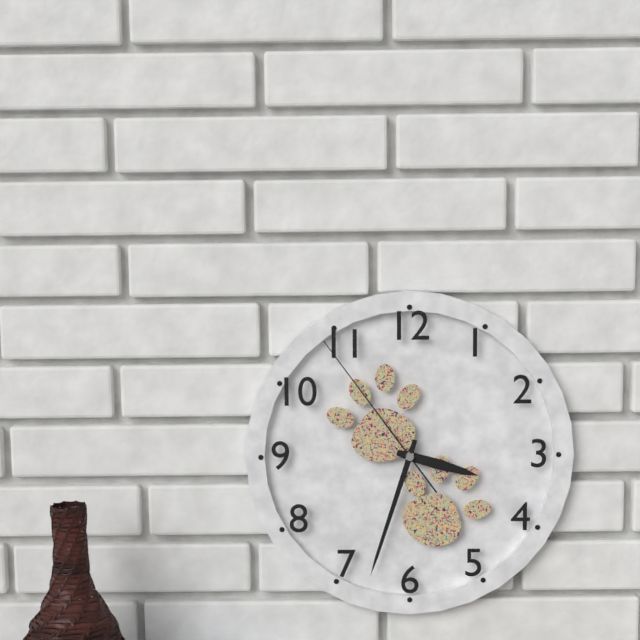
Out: 3:33:54
